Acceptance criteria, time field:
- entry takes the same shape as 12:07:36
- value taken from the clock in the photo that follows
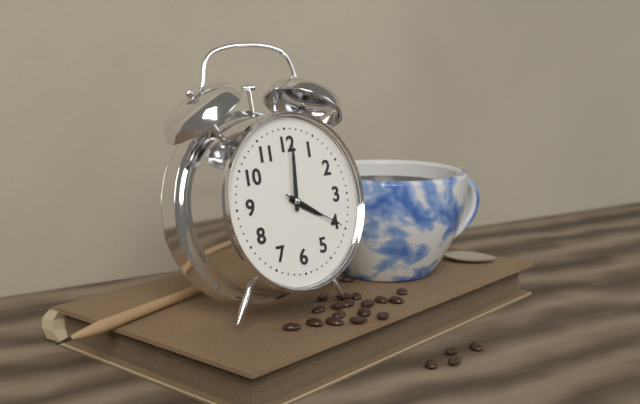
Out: 4:01:20
